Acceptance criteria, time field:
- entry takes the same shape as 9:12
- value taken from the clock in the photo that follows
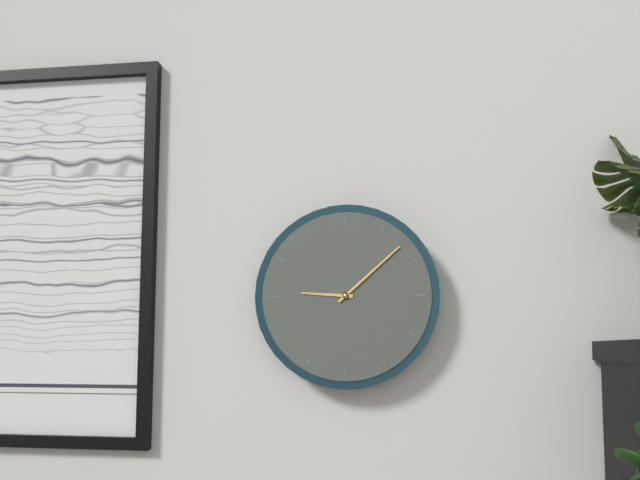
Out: 9:08
